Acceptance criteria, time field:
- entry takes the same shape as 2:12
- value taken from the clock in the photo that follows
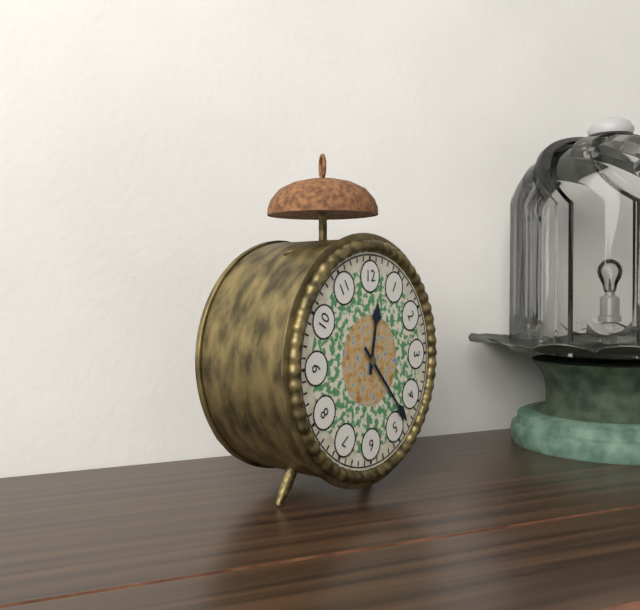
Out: 12:23
